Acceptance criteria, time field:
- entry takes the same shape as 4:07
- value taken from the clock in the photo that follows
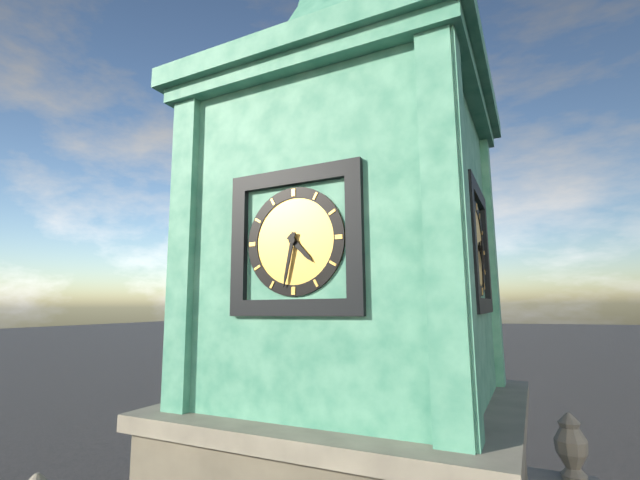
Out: 4:32
